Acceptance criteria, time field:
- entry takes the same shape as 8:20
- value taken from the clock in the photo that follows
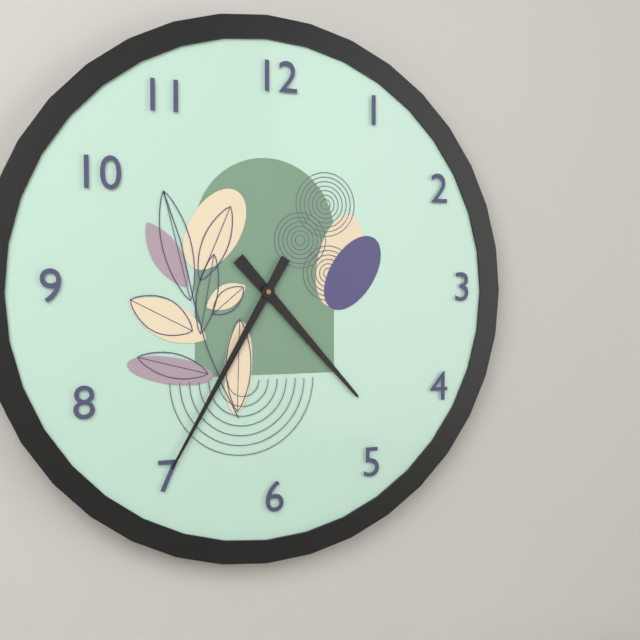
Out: 4:35
